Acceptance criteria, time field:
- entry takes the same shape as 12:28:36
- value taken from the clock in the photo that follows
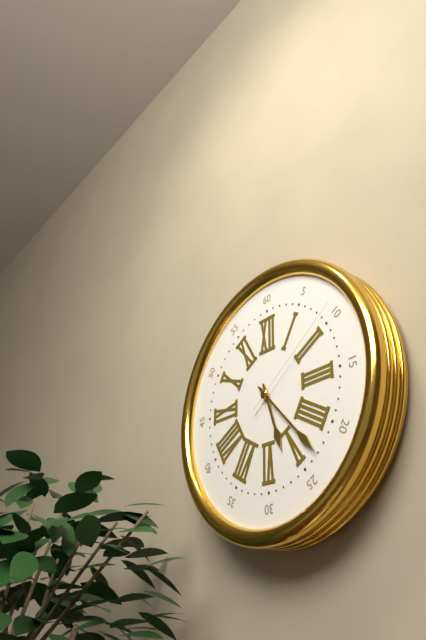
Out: 5:23:09
